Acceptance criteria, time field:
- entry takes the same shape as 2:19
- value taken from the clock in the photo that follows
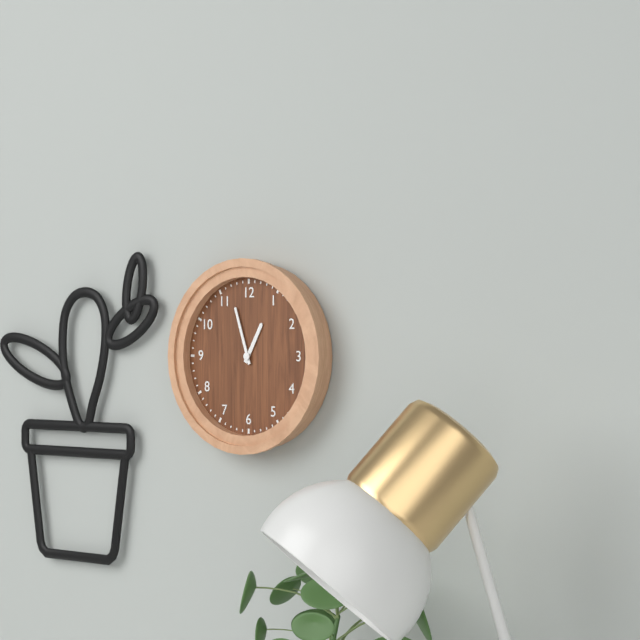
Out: 12:57
